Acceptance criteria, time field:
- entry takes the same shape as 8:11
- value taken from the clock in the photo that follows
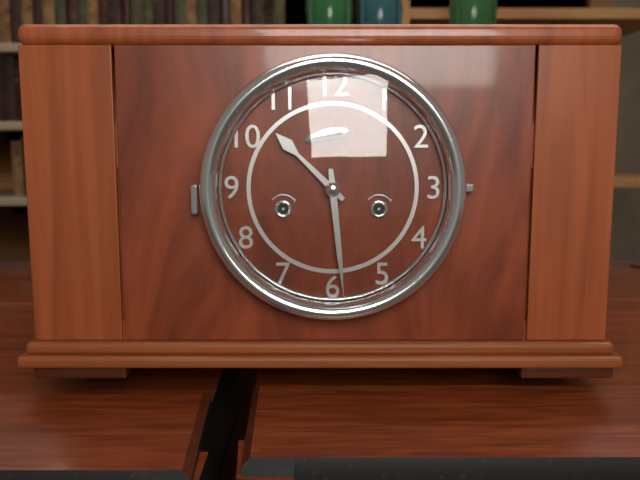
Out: 10:29
